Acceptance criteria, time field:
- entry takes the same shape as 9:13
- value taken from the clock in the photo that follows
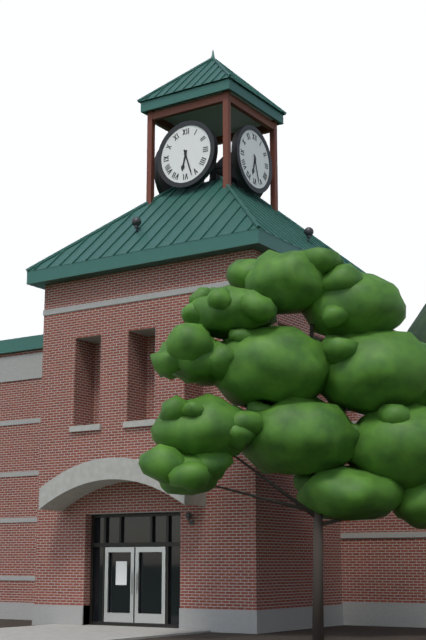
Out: 6:27
